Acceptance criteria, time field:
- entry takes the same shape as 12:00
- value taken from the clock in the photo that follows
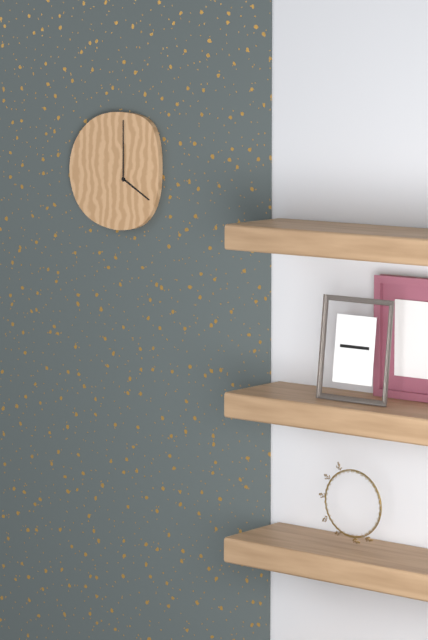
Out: 4:00
